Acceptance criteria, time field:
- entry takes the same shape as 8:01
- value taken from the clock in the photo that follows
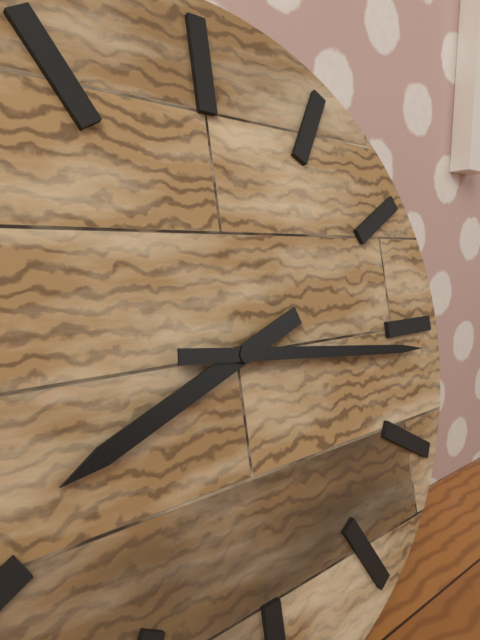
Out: 8:16
